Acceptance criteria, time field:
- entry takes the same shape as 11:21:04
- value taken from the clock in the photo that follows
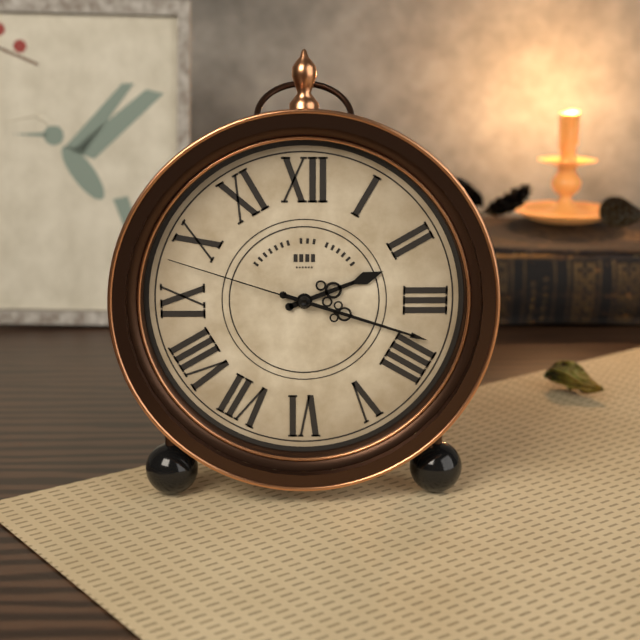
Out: 2:18:48
